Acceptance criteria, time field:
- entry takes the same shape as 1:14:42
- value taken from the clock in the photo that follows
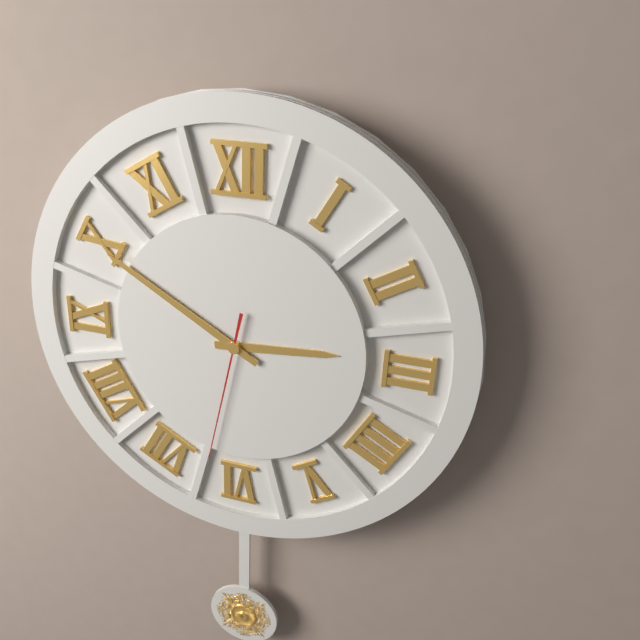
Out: 2:50:32
